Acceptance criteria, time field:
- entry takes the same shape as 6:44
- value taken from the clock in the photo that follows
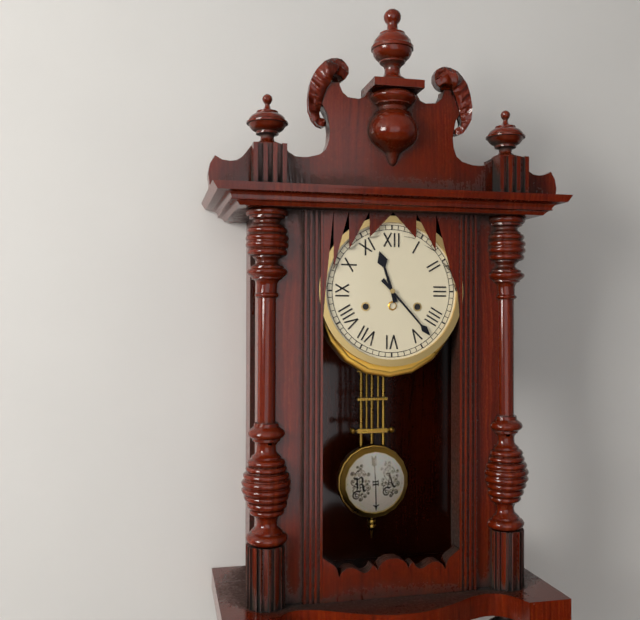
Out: 11:23
